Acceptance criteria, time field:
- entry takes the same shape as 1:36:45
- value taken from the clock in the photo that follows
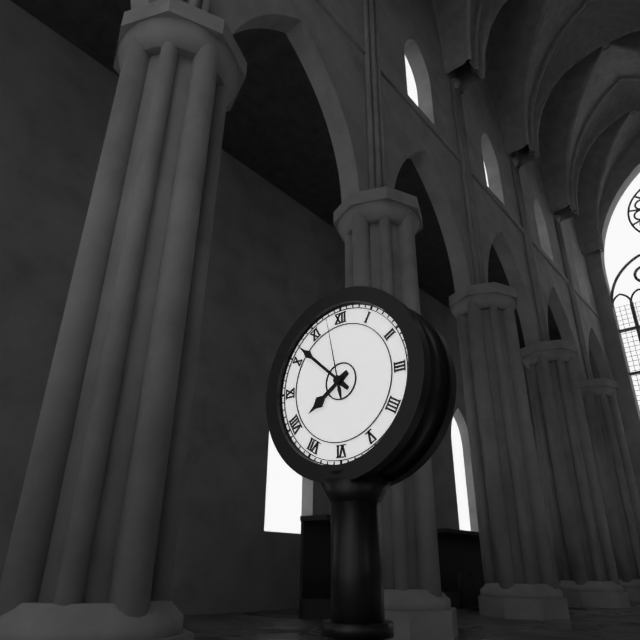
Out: 7:52:58
